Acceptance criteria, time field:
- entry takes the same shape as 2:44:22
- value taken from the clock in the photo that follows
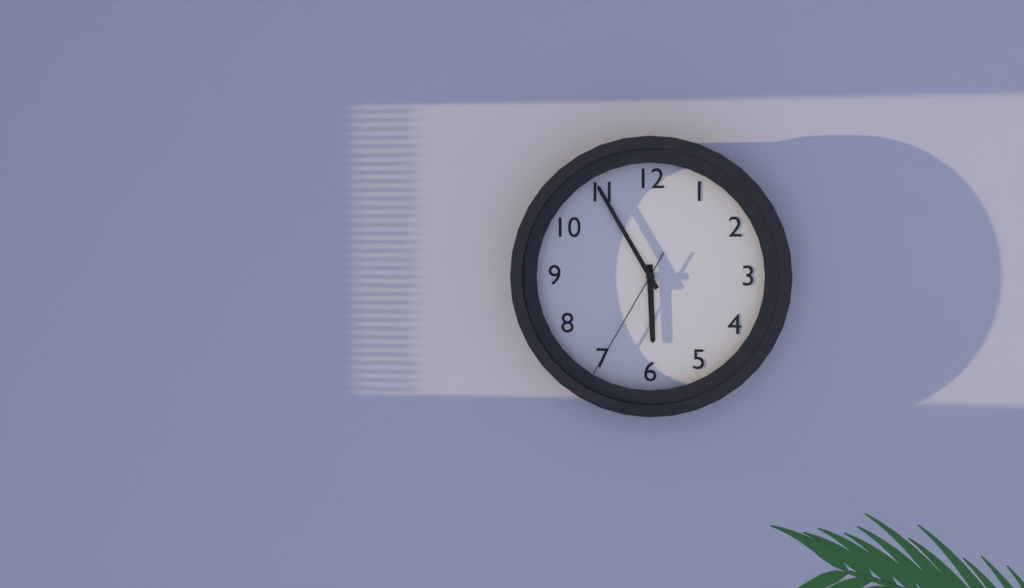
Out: 5:55:35
